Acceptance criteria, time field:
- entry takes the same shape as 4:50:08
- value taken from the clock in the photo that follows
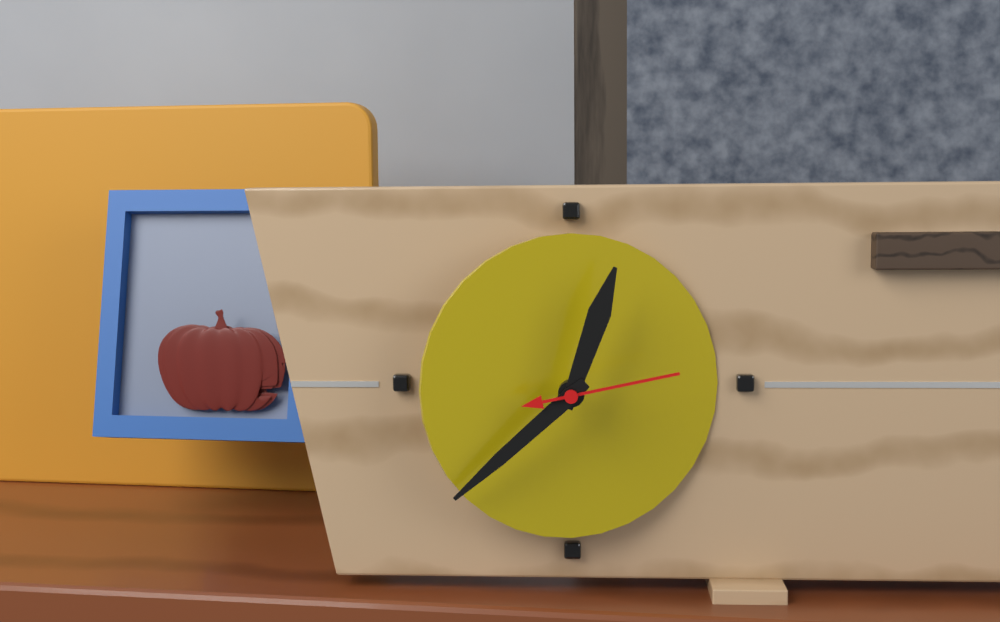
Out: 12:38:13
